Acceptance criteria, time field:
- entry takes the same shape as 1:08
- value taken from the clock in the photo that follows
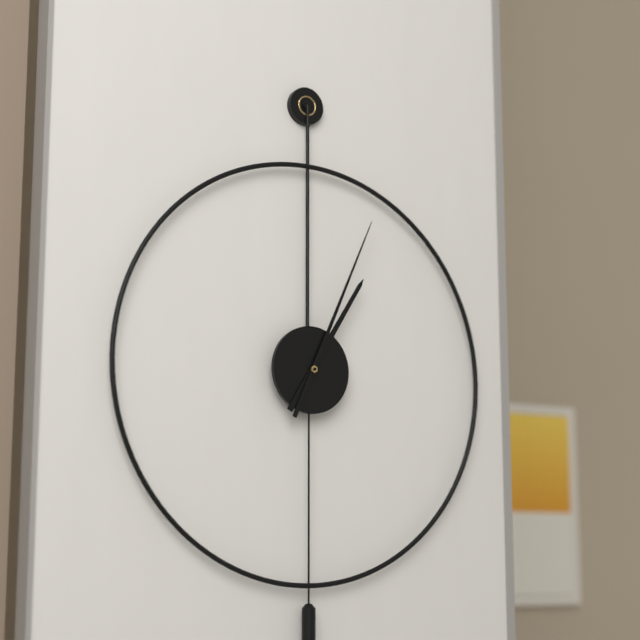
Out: 1:04
